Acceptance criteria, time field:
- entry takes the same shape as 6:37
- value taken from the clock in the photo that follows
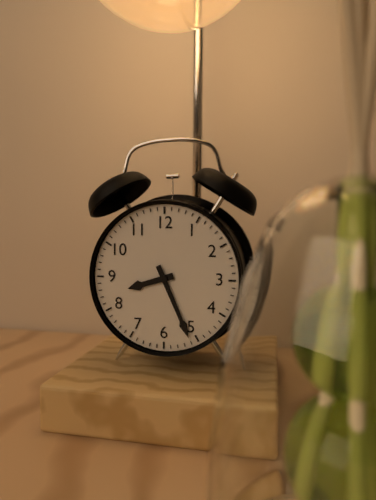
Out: 8:26
